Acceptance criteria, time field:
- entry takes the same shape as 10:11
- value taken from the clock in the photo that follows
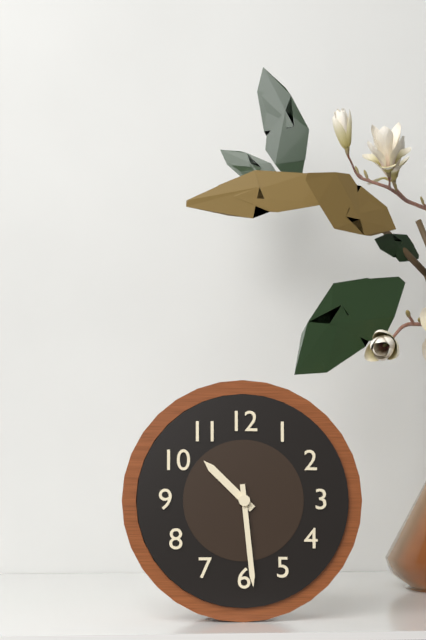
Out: 10:29
